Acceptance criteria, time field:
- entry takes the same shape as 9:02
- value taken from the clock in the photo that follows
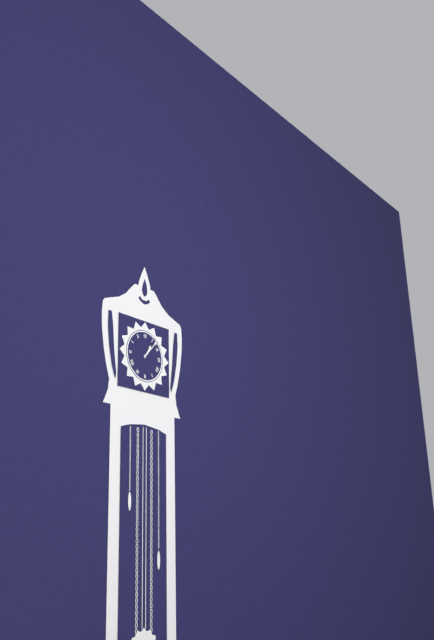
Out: 1:07
